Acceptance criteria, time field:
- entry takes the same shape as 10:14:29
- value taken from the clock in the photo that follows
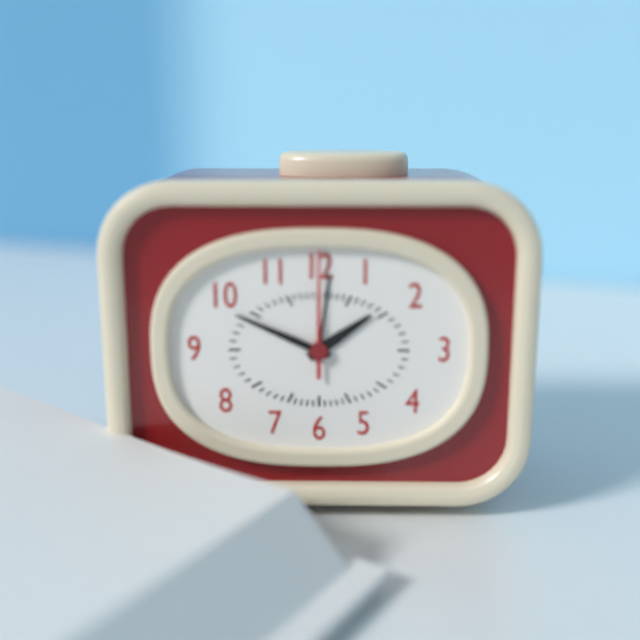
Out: 1:49:00
